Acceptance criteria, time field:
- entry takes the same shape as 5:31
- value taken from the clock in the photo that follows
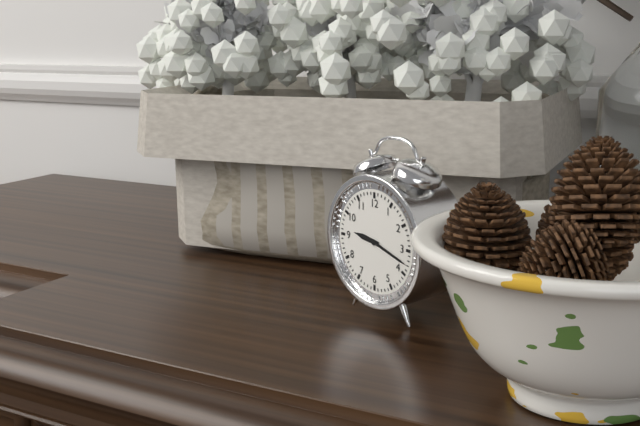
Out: 9:18
